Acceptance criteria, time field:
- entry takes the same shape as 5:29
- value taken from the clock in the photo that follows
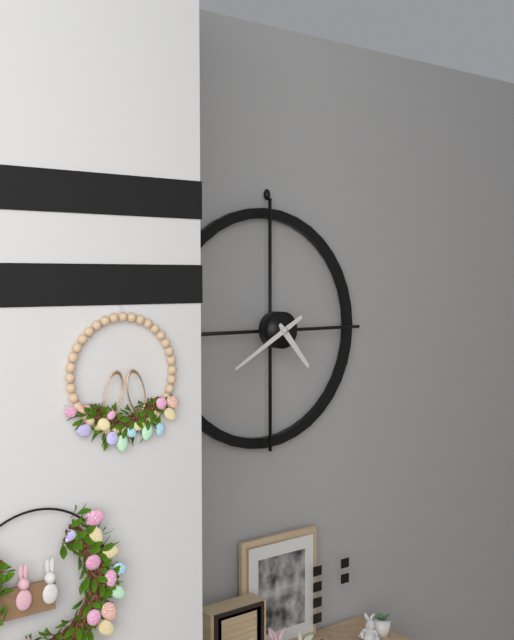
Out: 4:40
